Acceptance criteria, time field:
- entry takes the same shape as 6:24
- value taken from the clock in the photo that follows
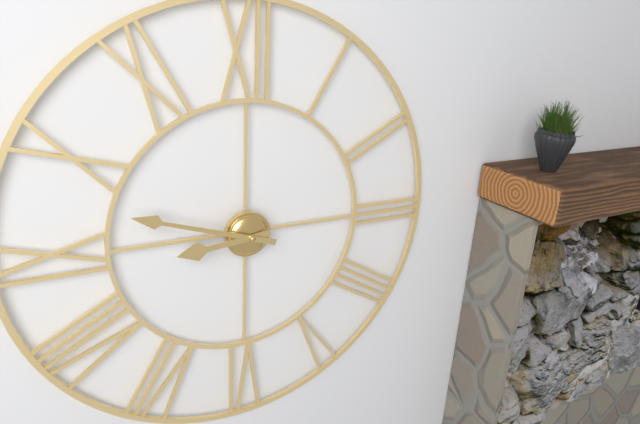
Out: 8:48
